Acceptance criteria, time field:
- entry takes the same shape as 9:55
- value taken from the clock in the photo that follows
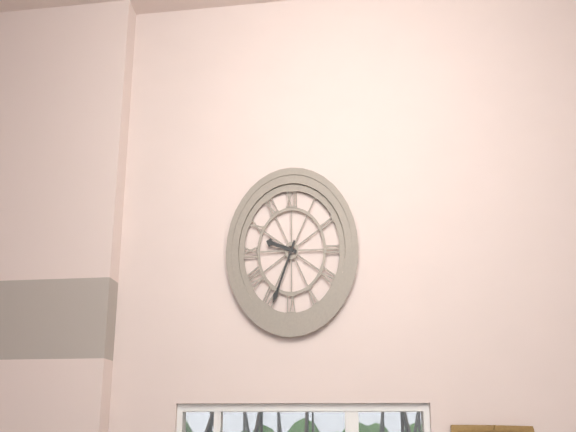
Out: 9:34
